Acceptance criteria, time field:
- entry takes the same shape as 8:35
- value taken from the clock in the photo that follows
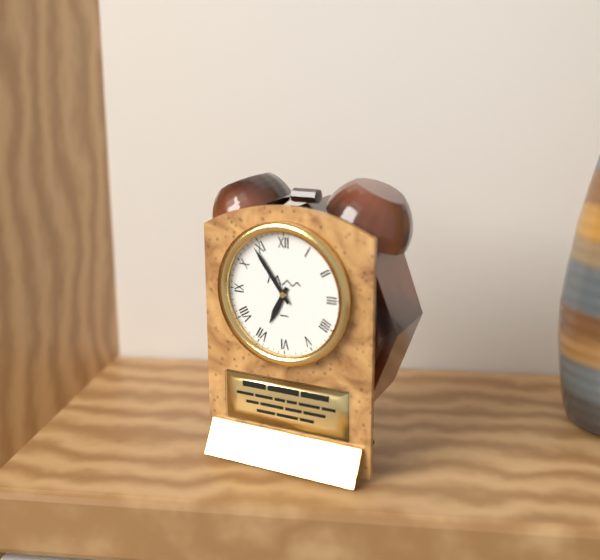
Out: 6:54
